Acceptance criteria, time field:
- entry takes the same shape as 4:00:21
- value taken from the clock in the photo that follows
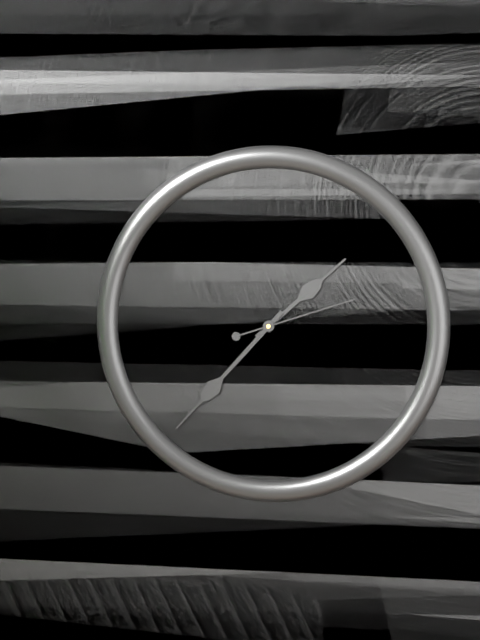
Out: 1:37:12
